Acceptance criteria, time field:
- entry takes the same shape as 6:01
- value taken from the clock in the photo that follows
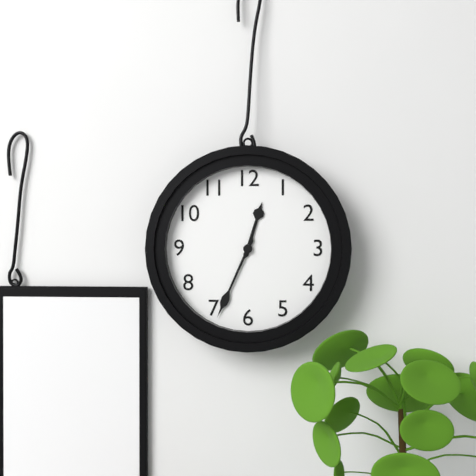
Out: 12:34
